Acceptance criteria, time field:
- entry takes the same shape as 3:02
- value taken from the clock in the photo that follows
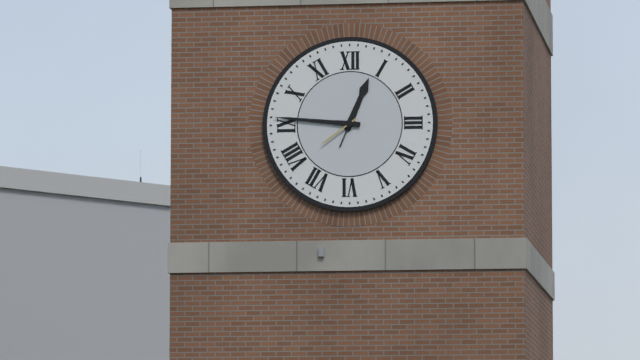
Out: 12:46
